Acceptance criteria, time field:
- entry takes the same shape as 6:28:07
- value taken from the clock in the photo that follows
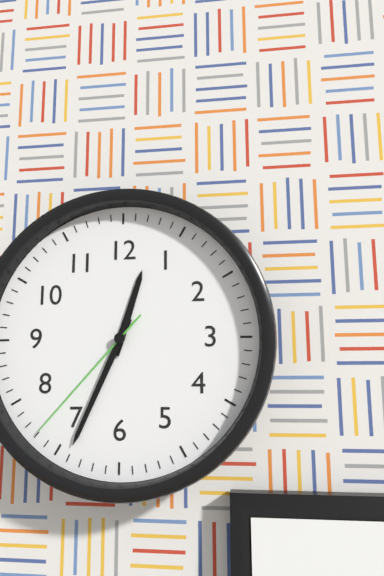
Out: 12:34:37
